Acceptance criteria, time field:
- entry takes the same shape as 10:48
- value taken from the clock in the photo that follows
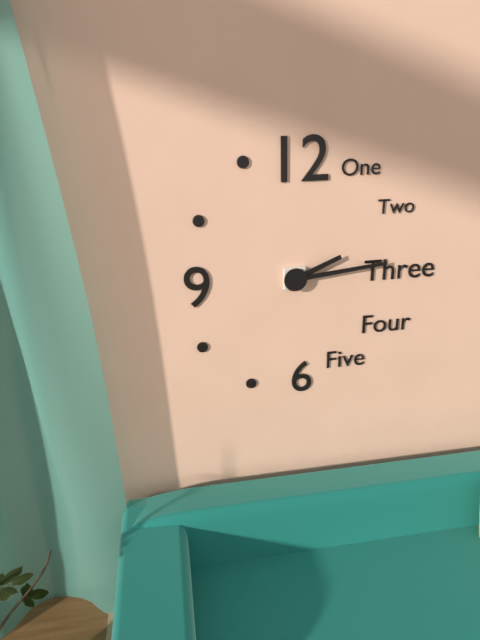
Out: 2:14
